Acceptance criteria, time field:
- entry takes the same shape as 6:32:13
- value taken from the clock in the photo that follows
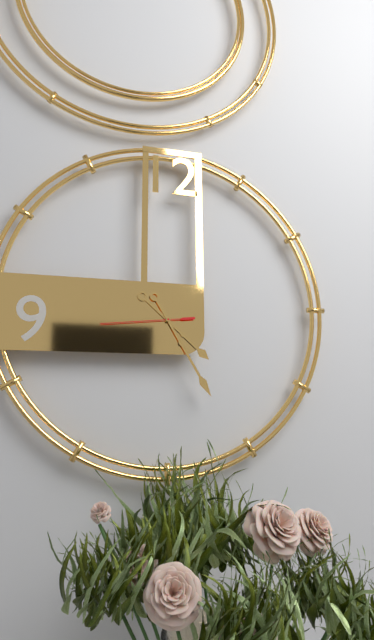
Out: 4:25:44
